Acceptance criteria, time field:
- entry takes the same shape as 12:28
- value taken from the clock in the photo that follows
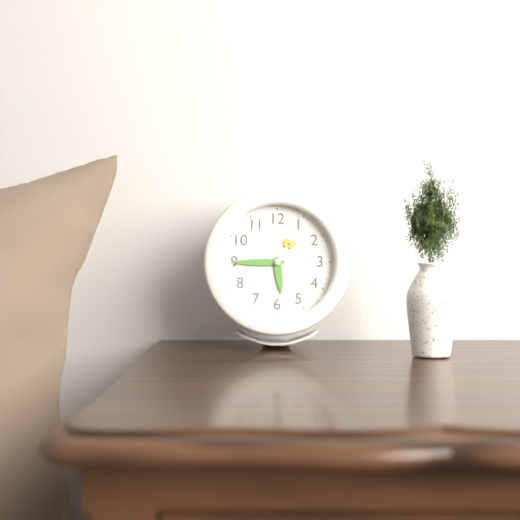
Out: 5:45
